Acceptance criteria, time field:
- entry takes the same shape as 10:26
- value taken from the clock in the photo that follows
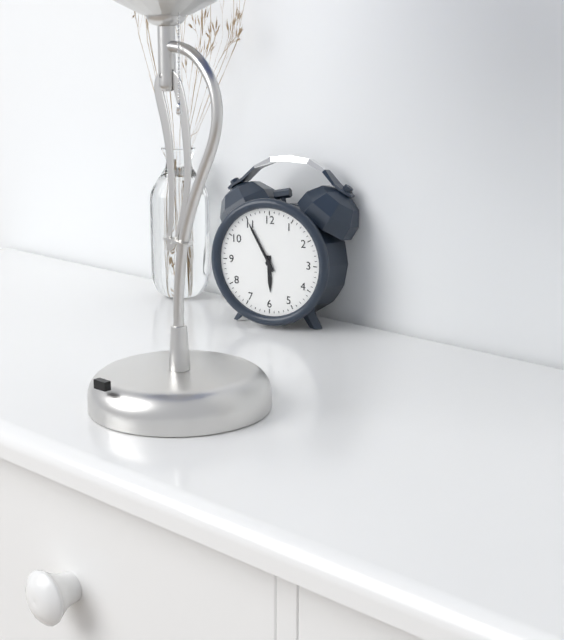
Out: 5:55
